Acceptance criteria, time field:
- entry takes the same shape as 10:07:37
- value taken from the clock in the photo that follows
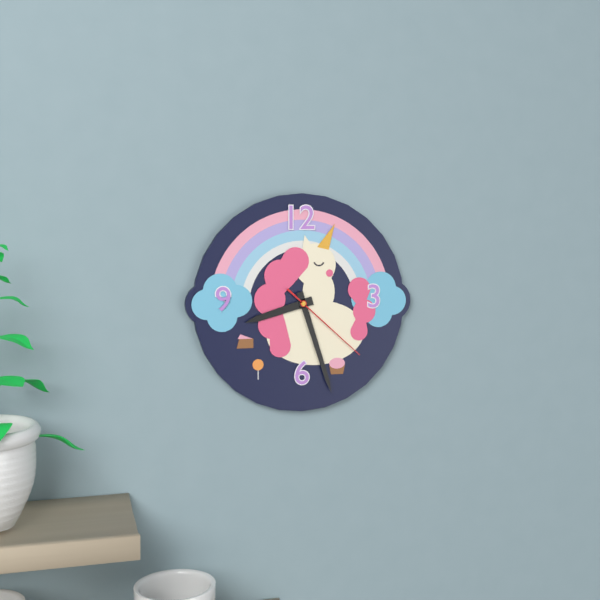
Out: 8:27:22
